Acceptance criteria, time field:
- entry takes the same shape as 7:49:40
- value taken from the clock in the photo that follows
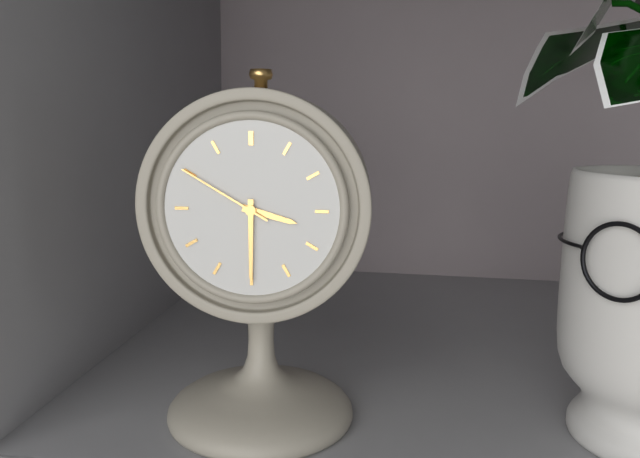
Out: 3:30:50
